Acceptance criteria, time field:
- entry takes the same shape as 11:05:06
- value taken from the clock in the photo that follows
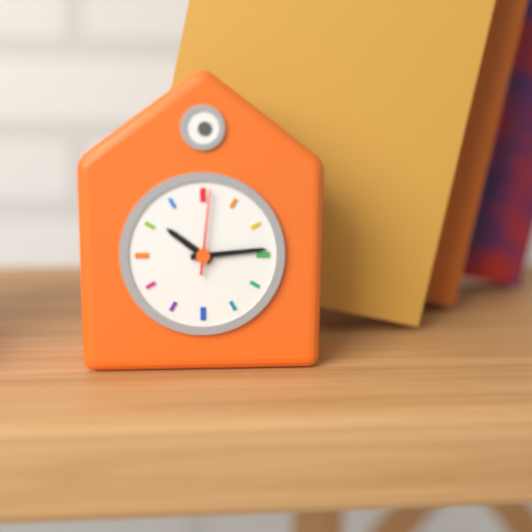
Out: 10:14:01
